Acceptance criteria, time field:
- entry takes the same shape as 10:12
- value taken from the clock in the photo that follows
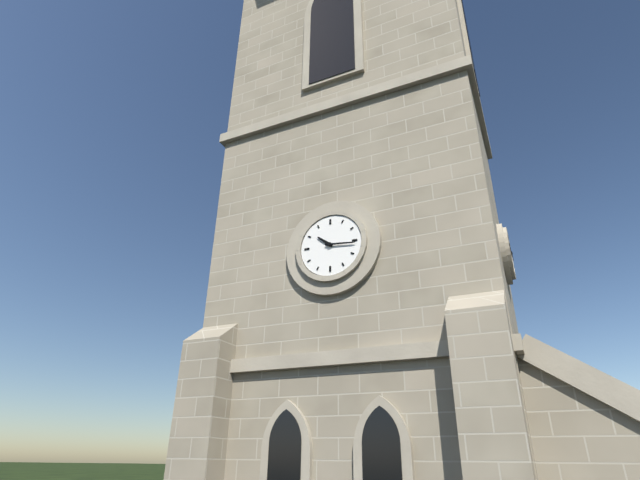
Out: 10:16
